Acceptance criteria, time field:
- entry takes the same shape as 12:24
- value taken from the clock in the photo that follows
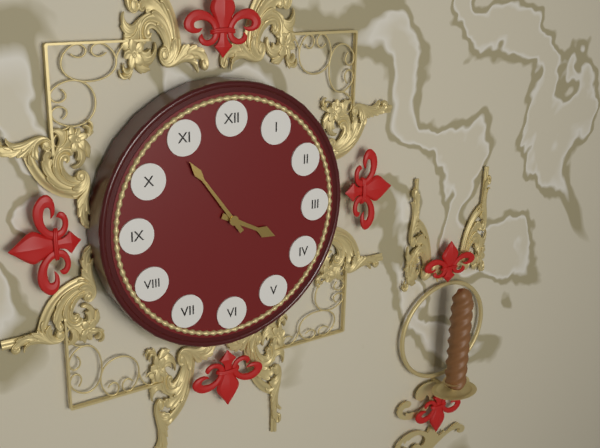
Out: 3:54
